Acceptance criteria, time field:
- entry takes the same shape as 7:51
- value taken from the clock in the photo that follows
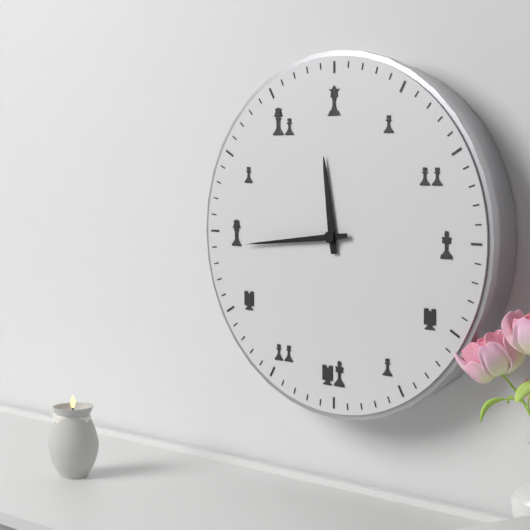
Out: 11:44
